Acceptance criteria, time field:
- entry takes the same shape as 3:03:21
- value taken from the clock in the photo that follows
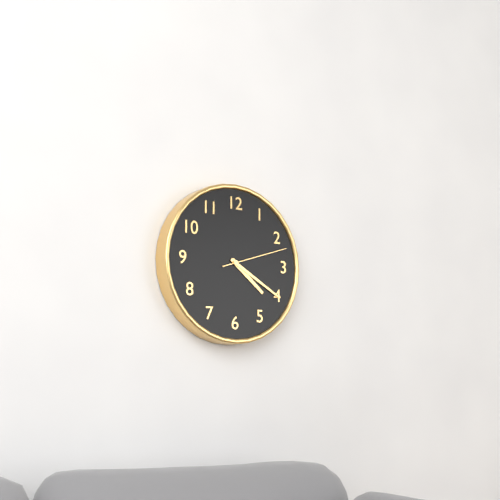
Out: 4:20:12
